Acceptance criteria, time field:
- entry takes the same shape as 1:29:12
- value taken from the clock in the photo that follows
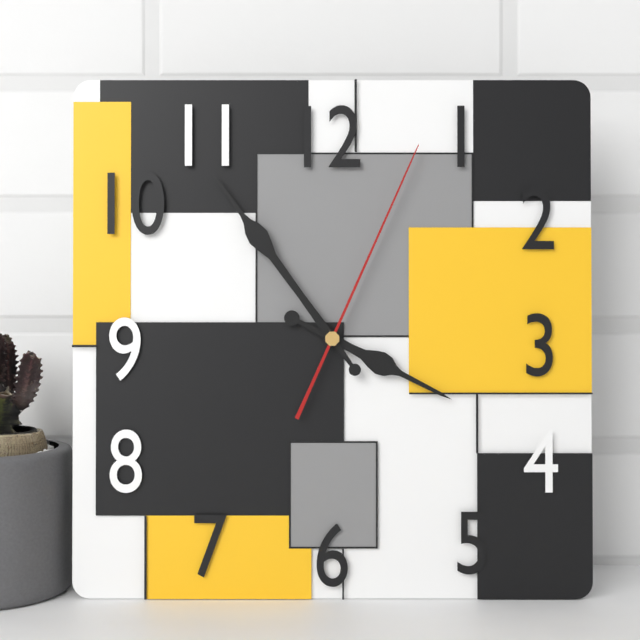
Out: 3:54:04
